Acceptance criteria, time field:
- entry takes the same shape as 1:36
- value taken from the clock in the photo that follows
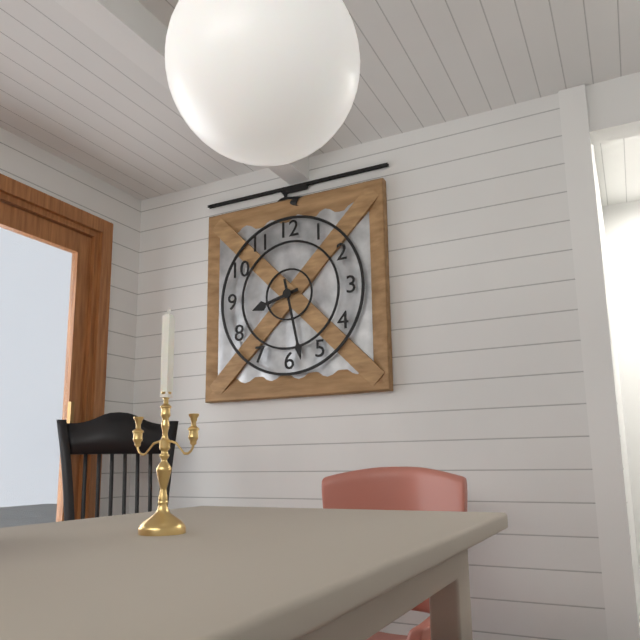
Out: 8:28
